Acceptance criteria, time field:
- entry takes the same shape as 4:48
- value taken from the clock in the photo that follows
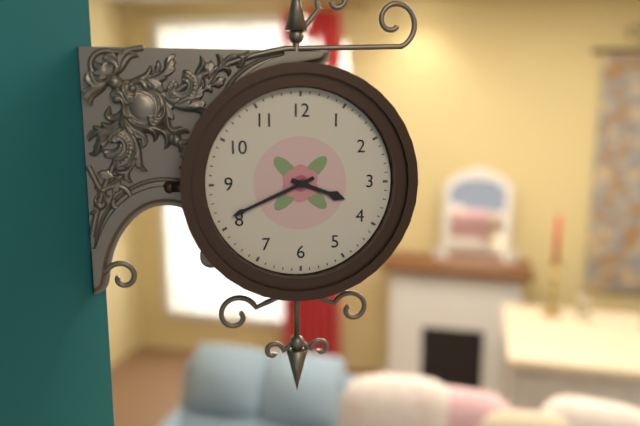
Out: 3:41
